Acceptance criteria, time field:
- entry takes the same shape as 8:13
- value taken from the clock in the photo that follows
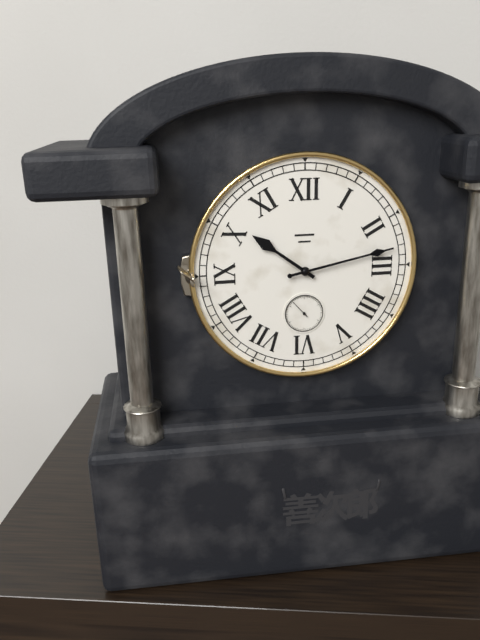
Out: 10:13
